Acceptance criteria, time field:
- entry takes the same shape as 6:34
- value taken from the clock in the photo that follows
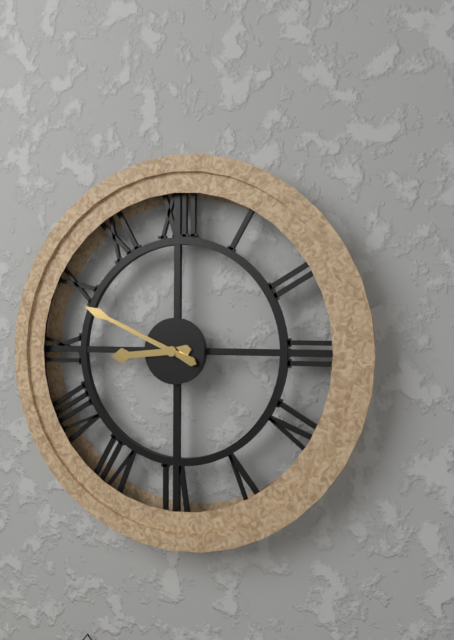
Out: 8:49
